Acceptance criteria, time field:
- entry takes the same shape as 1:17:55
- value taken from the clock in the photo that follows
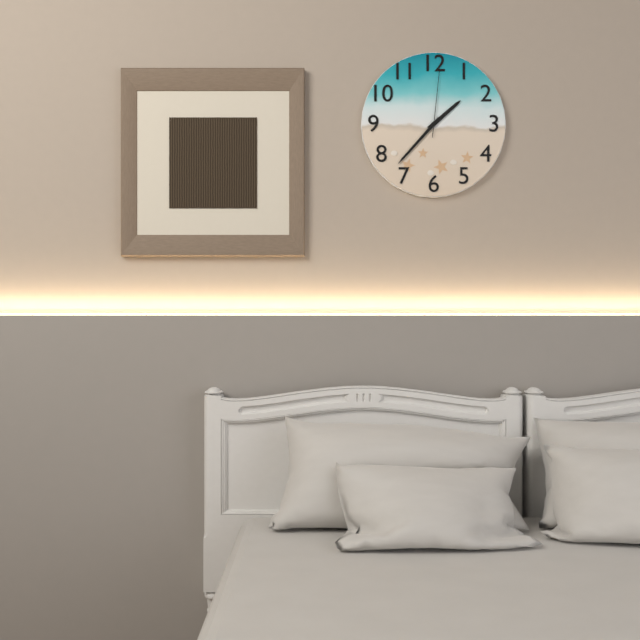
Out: 1:37:01
